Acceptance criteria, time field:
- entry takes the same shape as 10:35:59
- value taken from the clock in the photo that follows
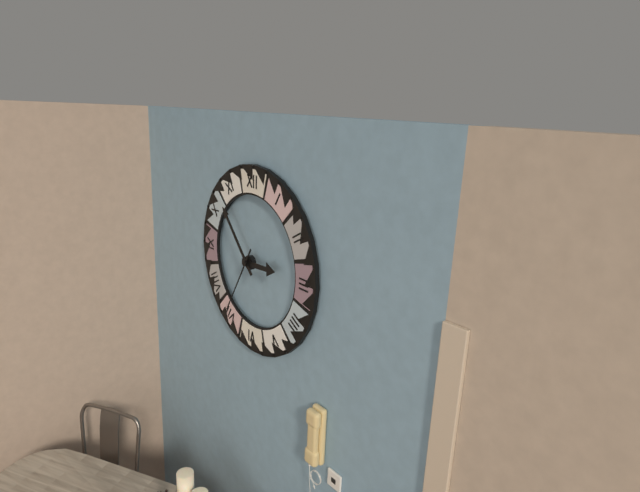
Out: 2:53:35
